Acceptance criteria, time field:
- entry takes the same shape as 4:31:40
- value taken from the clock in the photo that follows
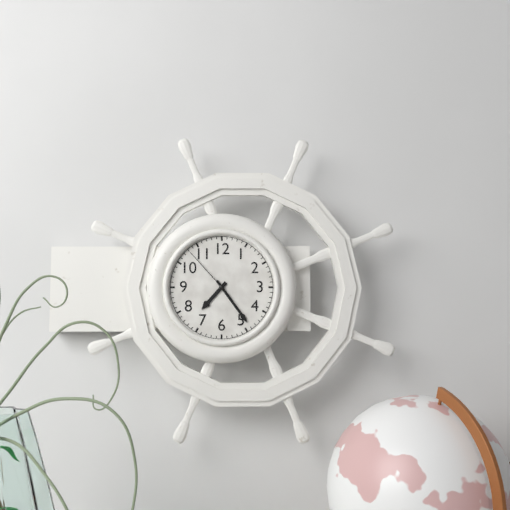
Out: 7:24:53
